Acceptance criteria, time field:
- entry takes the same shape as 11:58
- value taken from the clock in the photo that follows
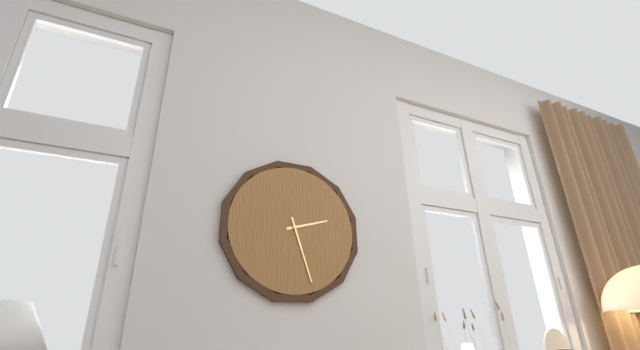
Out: 2:27
